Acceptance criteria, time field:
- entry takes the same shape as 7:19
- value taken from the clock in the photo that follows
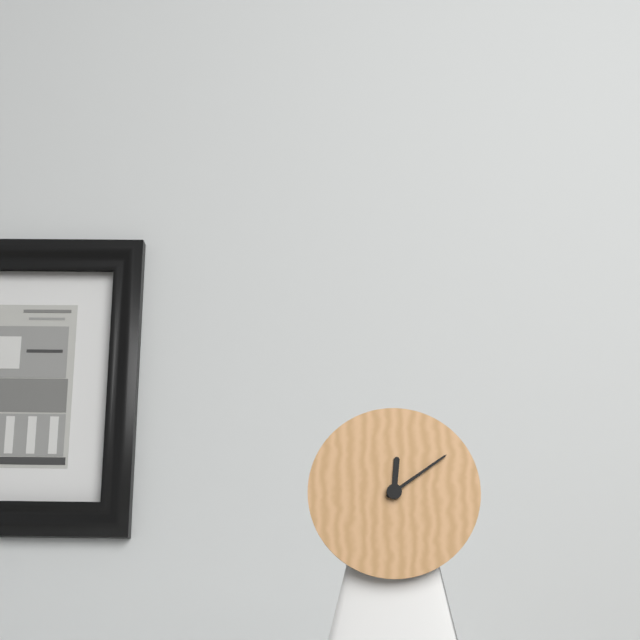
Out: 12:09
